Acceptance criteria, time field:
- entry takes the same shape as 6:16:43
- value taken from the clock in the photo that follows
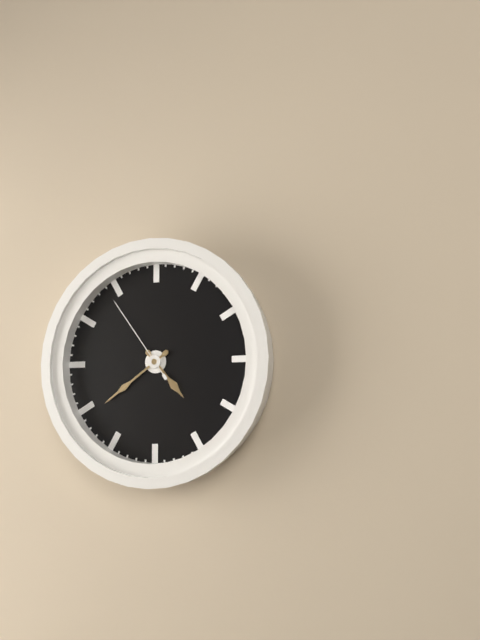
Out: 4:39:54
